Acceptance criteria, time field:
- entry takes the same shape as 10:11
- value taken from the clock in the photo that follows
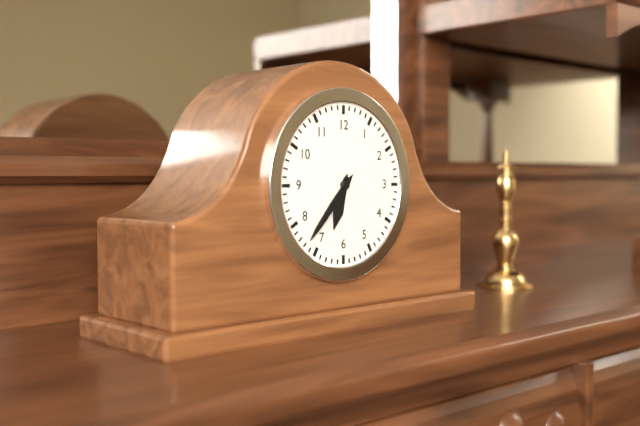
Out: 6:37
